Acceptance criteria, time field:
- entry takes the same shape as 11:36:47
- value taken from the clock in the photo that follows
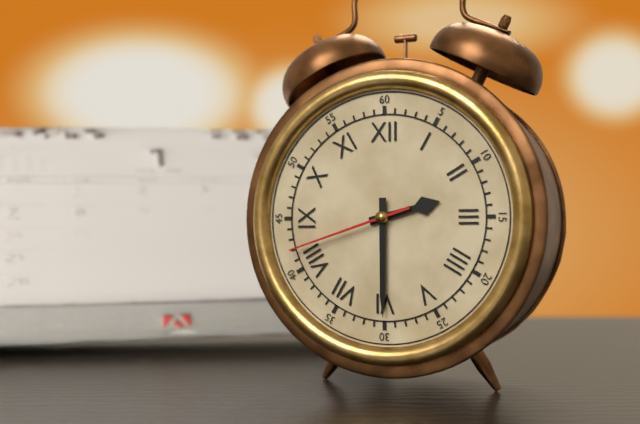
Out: 2:30:42
